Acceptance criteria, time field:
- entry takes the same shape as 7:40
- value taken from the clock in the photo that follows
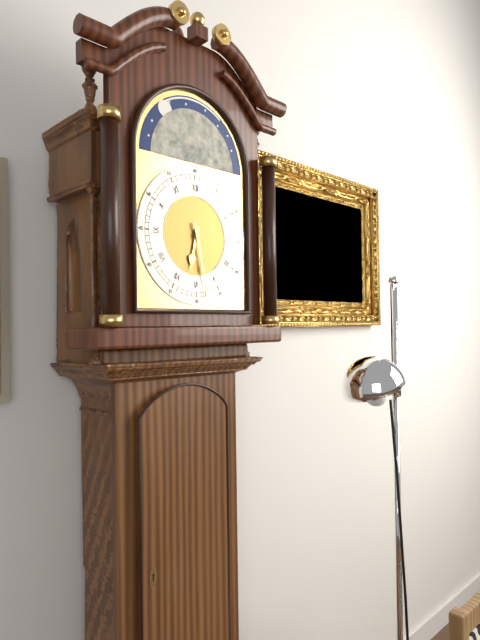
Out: 6:28
